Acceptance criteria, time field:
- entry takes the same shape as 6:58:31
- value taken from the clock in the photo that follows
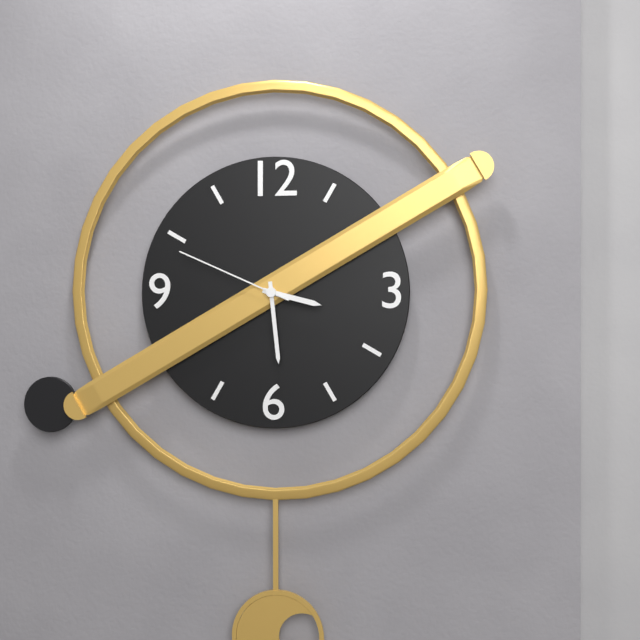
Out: 3:29:49
